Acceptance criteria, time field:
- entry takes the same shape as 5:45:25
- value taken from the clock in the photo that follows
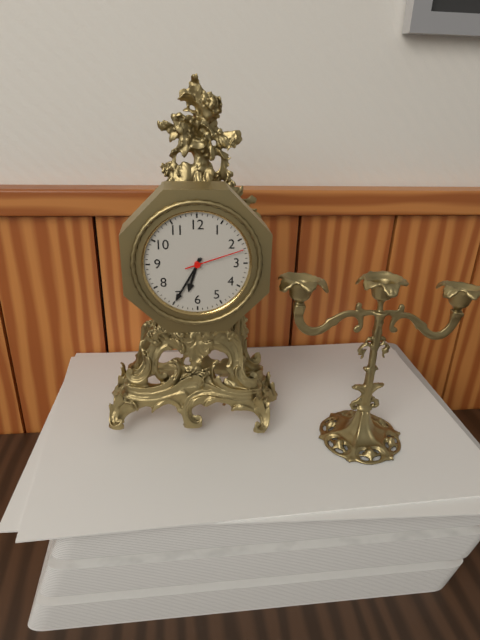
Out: 6:35:12
